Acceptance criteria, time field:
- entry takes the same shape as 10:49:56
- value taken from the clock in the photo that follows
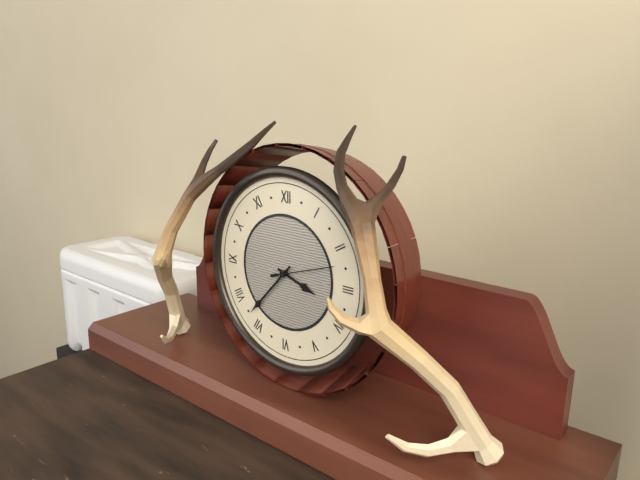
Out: 3:37:12
